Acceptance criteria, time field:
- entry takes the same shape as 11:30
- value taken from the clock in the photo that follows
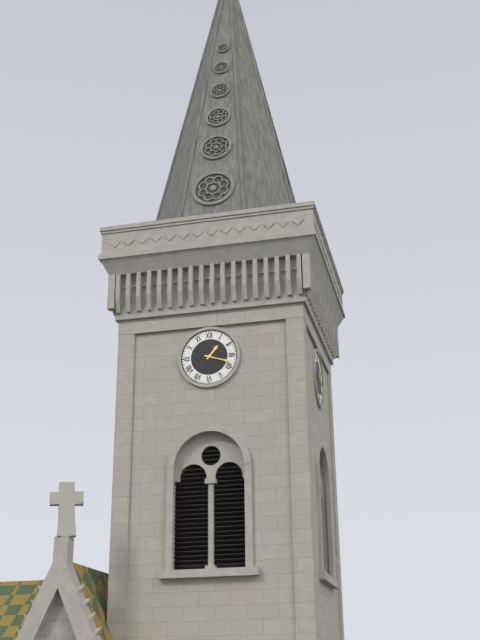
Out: 1:18
